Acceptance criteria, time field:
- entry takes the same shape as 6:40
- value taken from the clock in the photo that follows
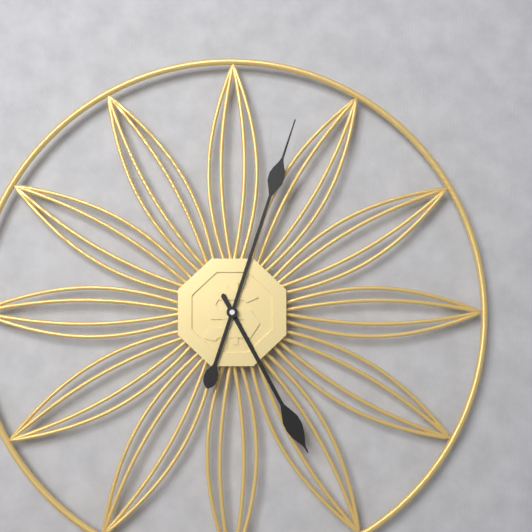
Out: 5:03
